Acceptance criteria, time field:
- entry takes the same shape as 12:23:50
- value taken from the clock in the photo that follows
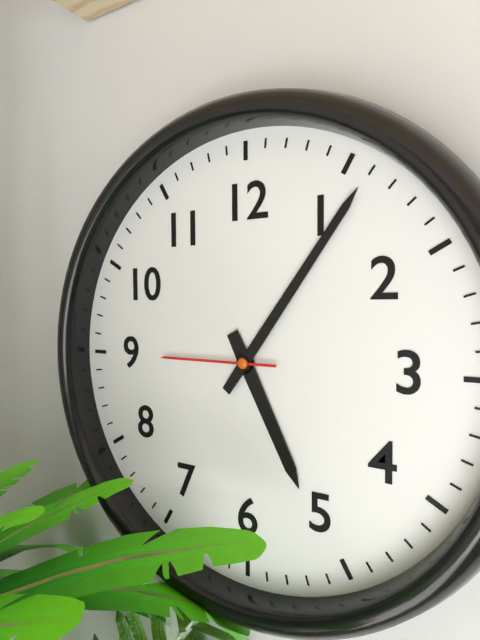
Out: 5:06:45
